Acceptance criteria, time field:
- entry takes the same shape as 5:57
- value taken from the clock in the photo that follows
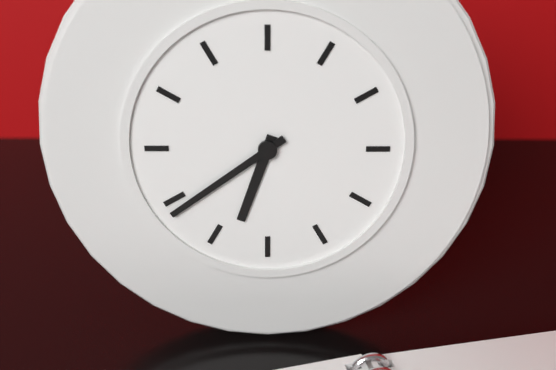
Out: 6:39
